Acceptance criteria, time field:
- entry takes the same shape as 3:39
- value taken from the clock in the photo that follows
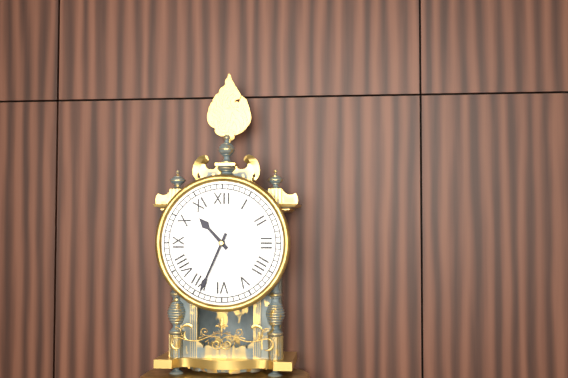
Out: 10:34
